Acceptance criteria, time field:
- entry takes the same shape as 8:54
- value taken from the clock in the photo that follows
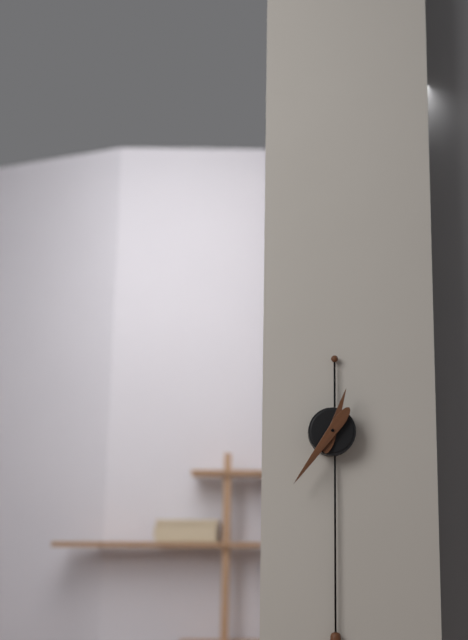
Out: 12:36
